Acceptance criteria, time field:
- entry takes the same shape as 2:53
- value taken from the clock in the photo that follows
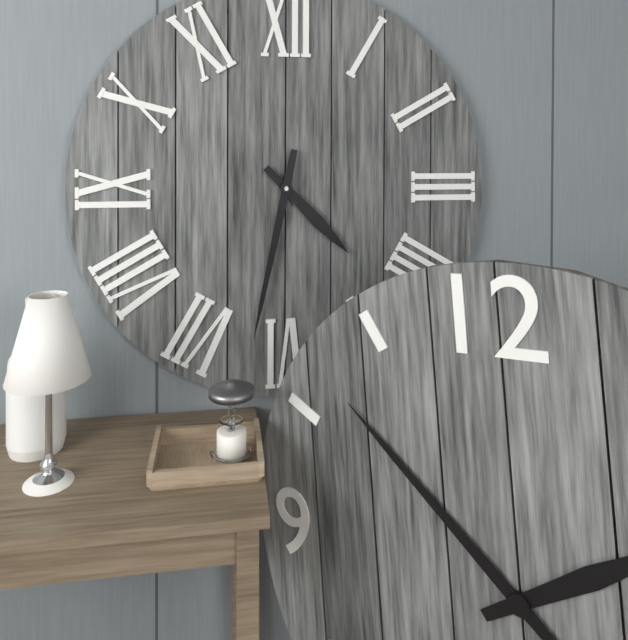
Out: 4:32
